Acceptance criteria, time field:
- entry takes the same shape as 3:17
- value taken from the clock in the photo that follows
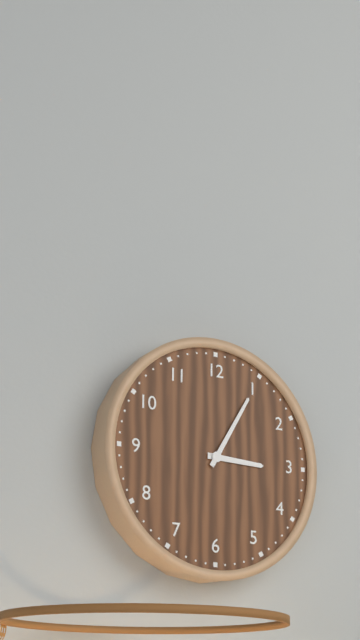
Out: 3:05
